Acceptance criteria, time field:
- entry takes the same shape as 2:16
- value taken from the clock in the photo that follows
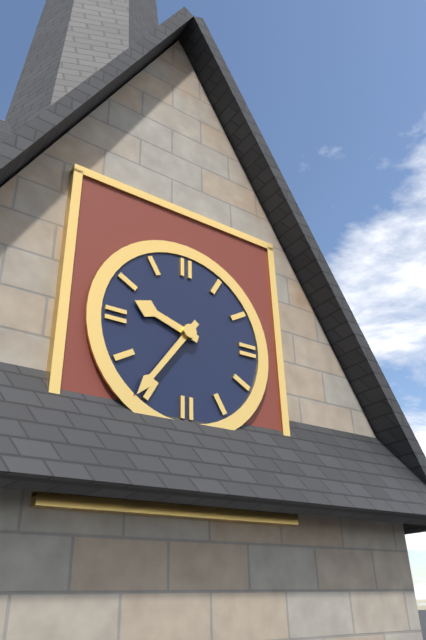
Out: 9:36
